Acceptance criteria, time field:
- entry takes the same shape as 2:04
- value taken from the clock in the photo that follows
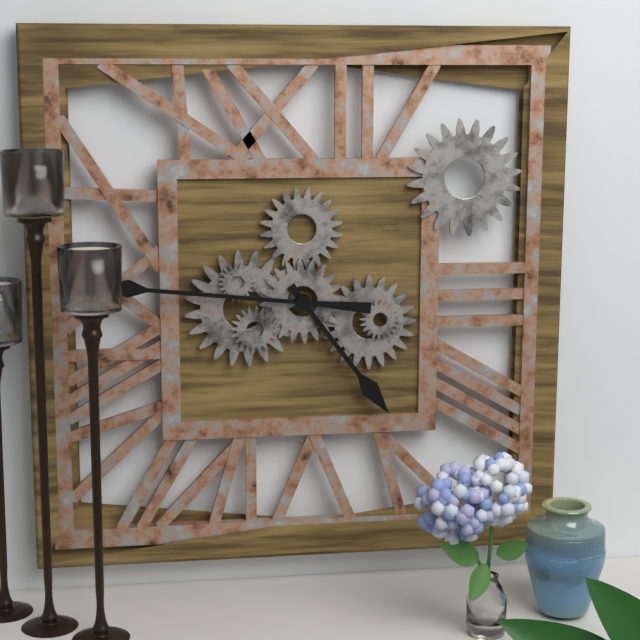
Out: 4:46
